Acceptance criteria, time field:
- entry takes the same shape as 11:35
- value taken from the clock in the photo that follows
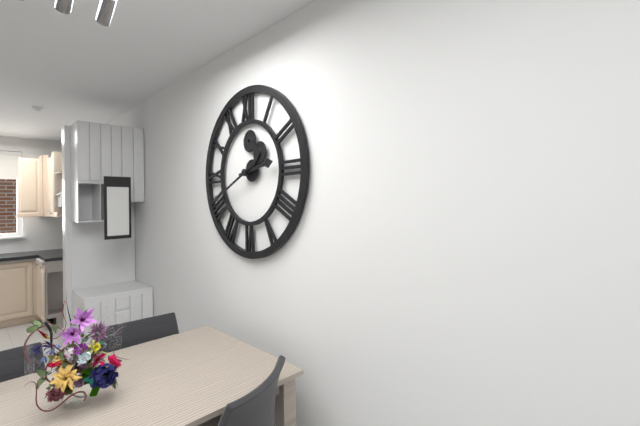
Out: 2:41
